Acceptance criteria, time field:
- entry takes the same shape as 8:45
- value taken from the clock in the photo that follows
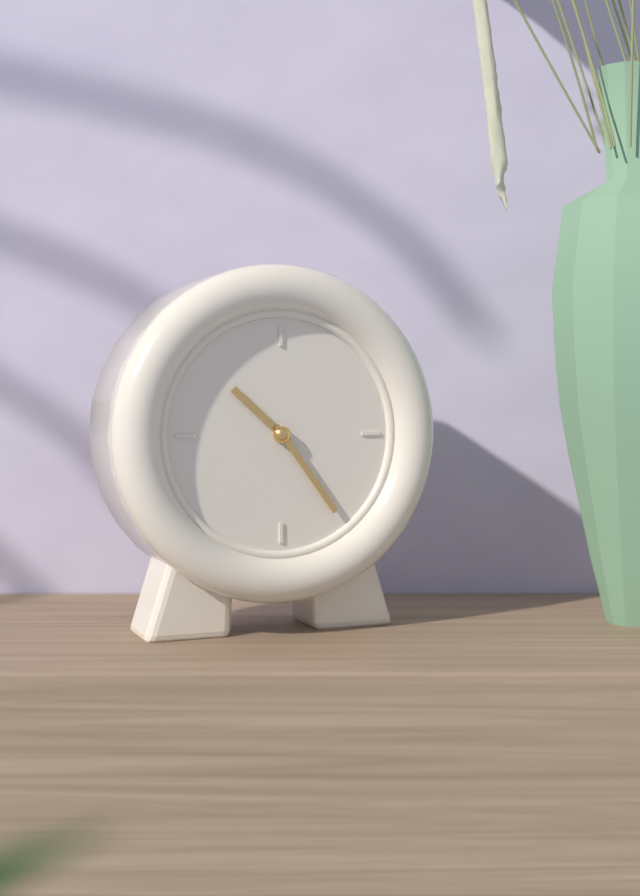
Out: 10:24
